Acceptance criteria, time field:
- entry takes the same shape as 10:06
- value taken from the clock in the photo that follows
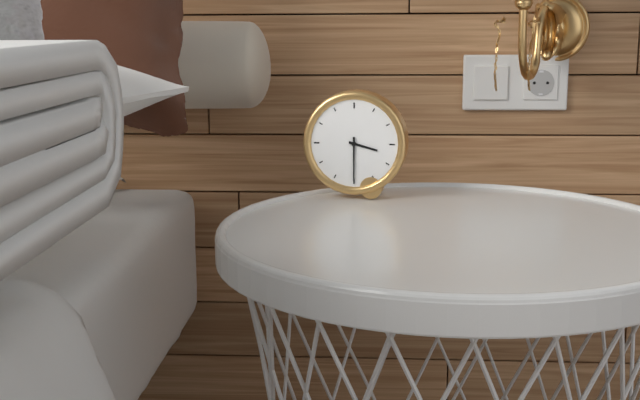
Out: 3:30
